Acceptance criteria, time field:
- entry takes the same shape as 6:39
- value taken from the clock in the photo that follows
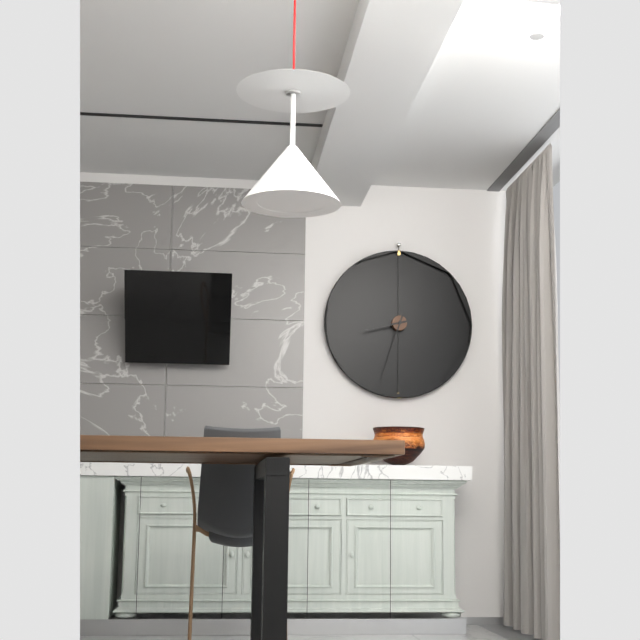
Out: 8:33
